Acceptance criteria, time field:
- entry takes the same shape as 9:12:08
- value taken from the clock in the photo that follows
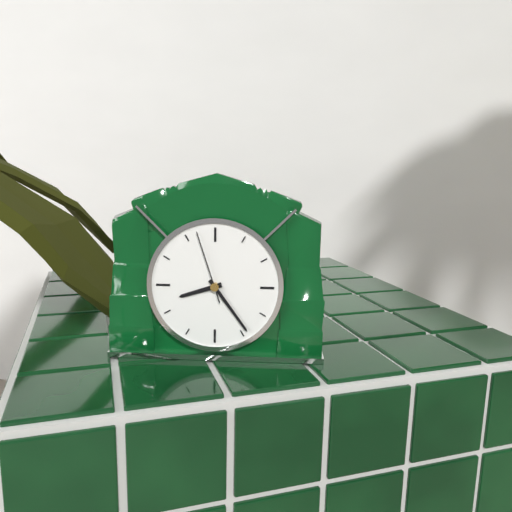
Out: 8:24:57
